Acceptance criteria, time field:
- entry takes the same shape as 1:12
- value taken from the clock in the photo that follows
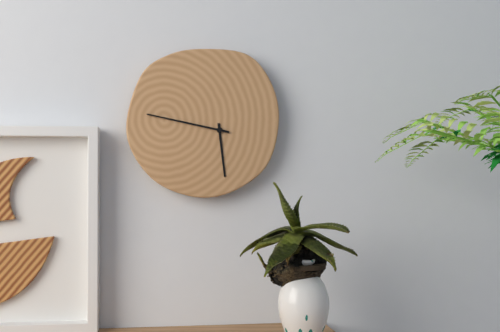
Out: 5:47
